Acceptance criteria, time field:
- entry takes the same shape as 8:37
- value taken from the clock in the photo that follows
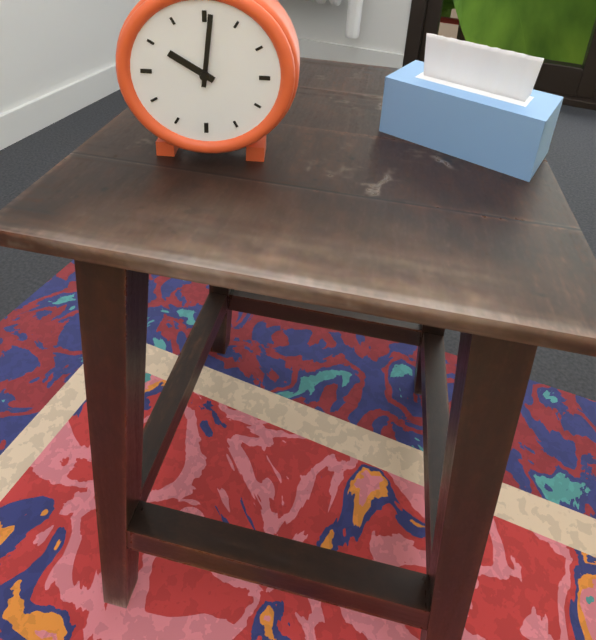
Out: 10:01
